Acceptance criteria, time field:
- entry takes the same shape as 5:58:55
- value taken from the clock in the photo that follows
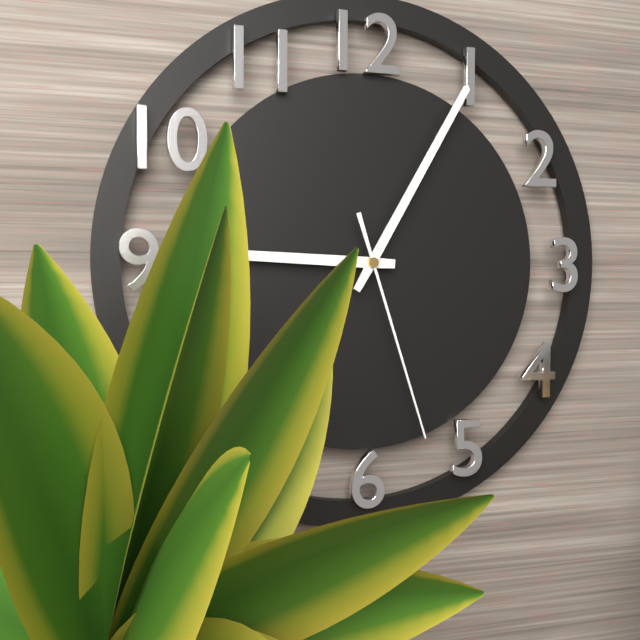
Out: 9:05:27
